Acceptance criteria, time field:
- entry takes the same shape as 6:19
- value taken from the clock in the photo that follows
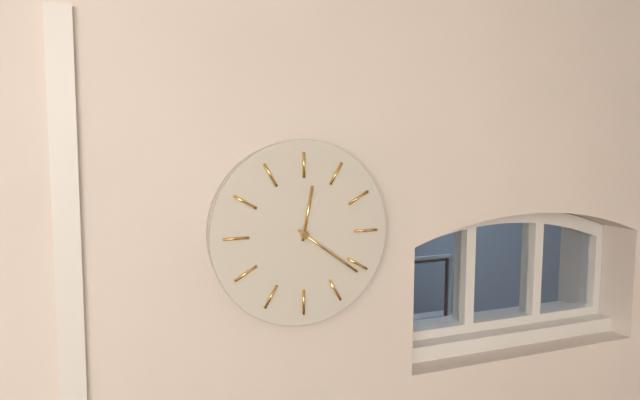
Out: 12:21
